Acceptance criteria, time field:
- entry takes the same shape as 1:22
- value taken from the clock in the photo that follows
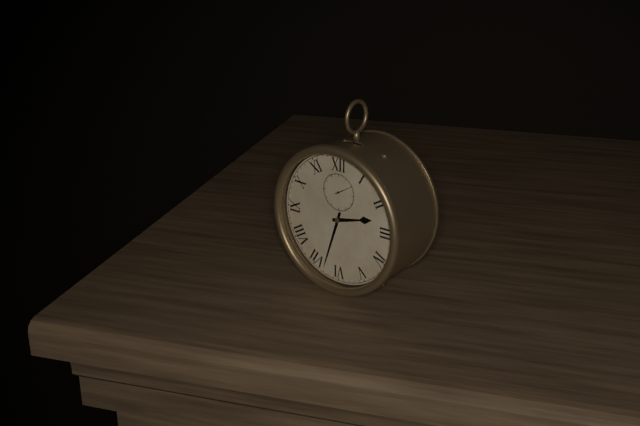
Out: 2:33
